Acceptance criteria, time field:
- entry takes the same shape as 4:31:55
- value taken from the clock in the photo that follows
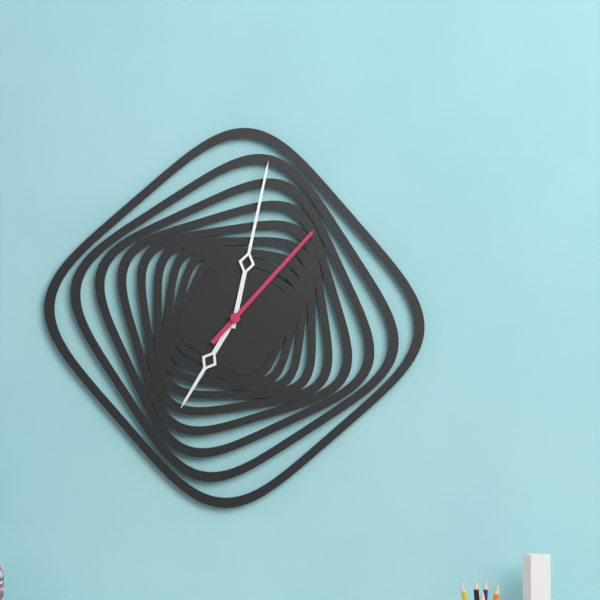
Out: 7:02:07
